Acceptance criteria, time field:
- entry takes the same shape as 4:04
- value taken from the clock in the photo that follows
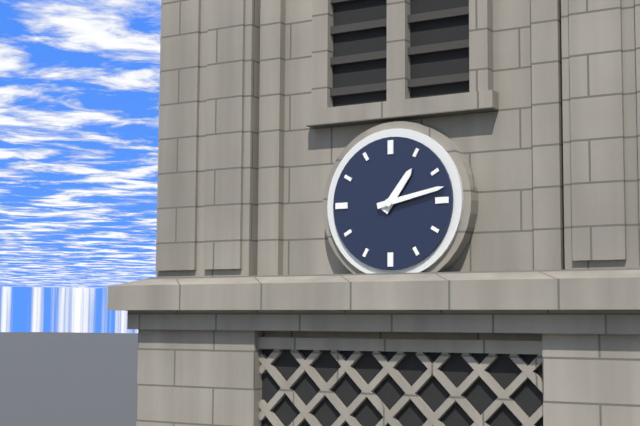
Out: 1:13
